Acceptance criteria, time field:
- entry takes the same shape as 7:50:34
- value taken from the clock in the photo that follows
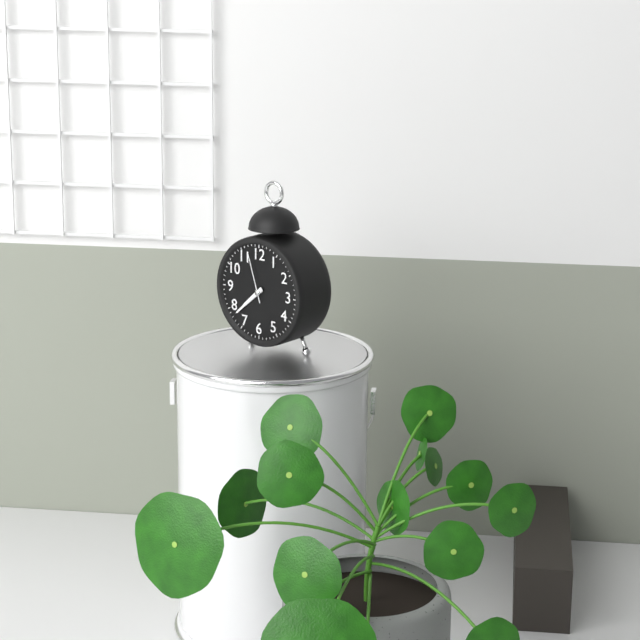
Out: 7:38:57
